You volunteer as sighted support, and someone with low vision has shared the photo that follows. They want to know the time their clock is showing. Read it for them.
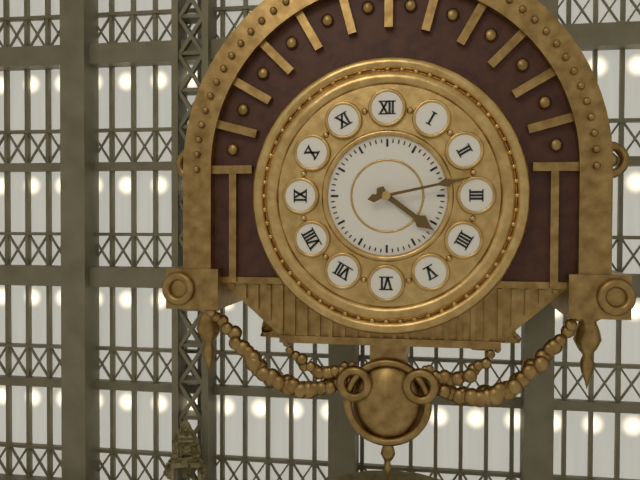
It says 4:13
